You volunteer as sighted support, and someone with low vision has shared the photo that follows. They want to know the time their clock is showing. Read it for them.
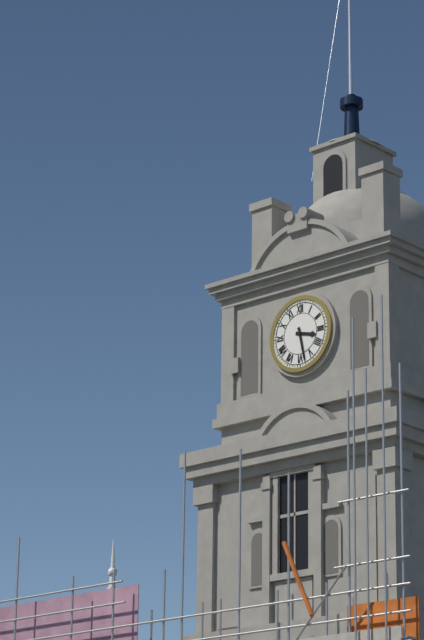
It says 3:28
